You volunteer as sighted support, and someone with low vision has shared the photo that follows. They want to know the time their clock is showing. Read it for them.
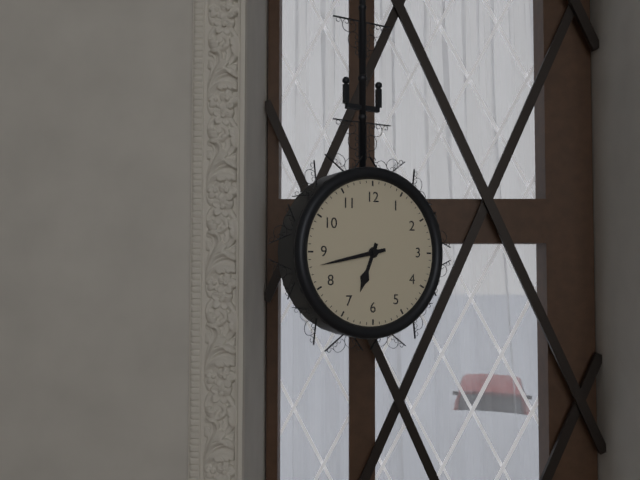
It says 6:43
